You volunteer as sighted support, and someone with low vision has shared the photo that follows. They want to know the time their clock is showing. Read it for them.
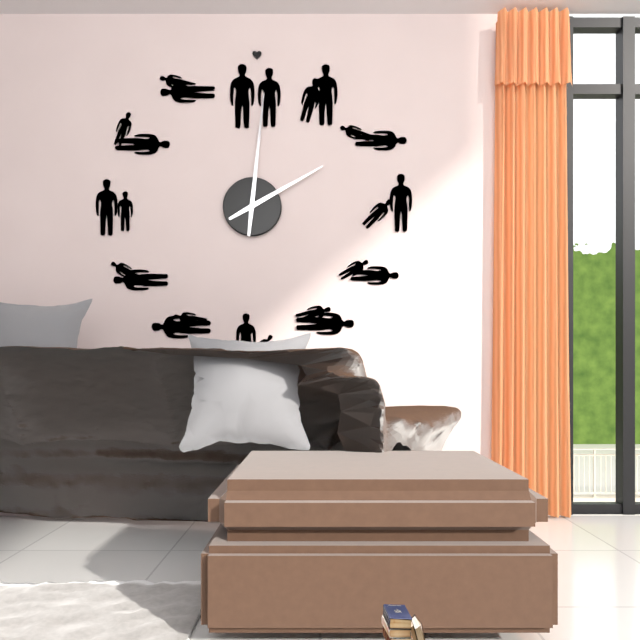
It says 2:01
